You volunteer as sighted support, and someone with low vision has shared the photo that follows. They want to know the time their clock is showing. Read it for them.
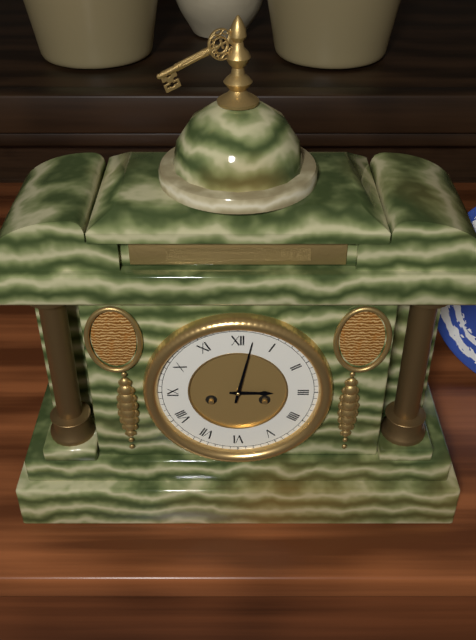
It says 3:02
